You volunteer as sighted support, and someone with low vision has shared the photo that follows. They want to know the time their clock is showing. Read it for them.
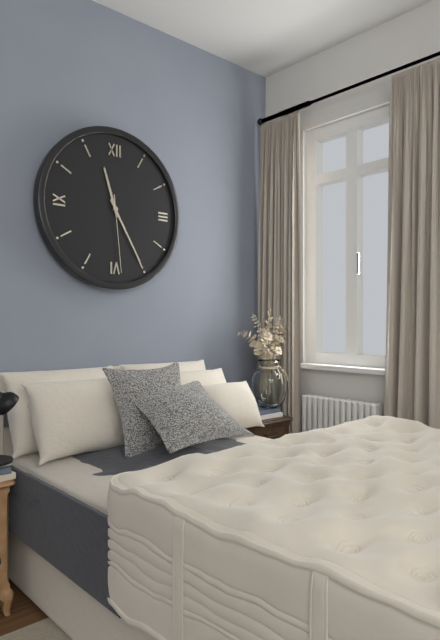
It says 11:25:29
